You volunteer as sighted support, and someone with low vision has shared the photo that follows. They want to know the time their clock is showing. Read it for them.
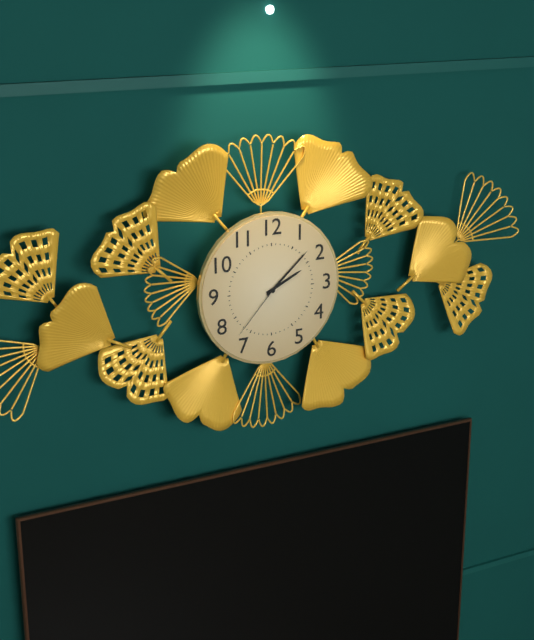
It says 2:08:37
